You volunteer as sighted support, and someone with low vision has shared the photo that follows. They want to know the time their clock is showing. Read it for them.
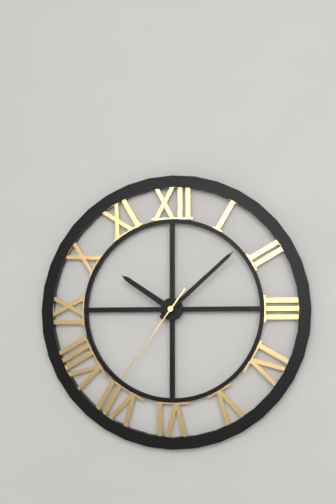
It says 10:08:36
